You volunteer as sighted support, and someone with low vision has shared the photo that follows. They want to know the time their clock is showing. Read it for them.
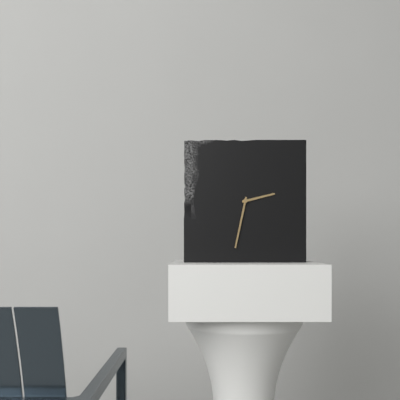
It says 2:32
